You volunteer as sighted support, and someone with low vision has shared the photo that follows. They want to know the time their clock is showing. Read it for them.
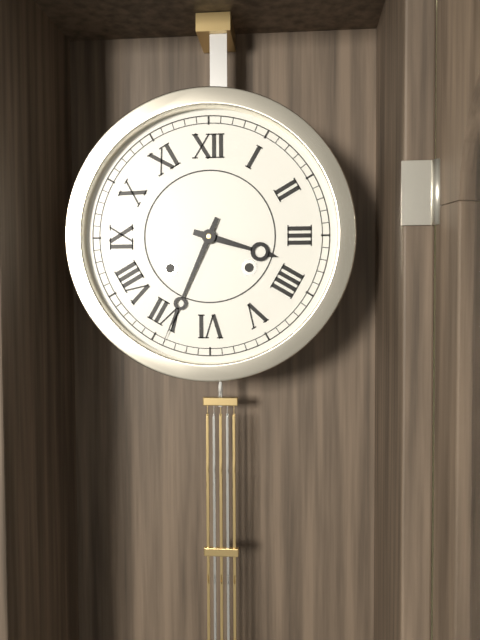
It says 3:34
